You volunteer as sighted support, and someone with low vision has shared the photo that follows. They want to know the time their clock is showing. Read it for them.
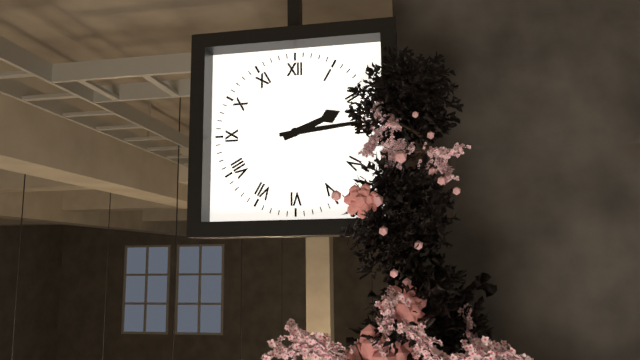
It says 2:14
